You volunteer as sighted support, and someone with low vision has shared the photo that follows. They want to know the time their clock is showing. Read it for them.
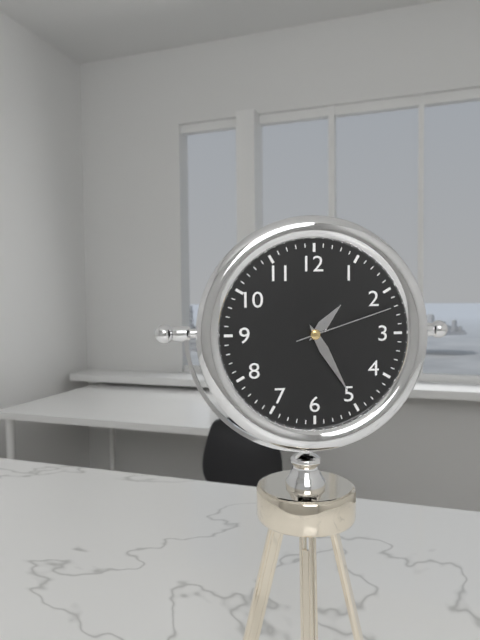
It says 1:25:12
